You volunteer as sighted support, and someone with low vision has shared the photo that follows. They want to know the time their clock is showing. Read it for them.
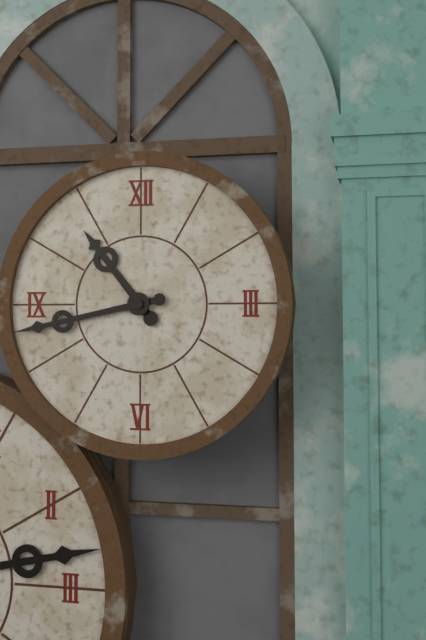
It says 10:43
